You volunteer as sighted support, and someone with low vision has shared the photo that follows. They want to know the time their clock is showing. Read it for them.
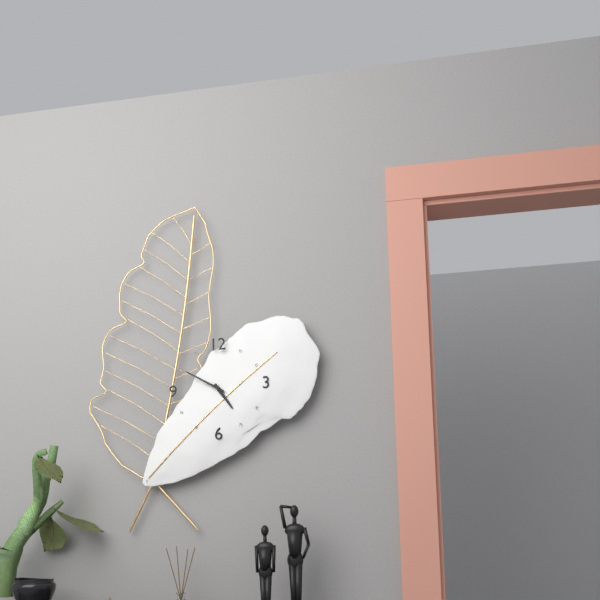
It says 4:50
